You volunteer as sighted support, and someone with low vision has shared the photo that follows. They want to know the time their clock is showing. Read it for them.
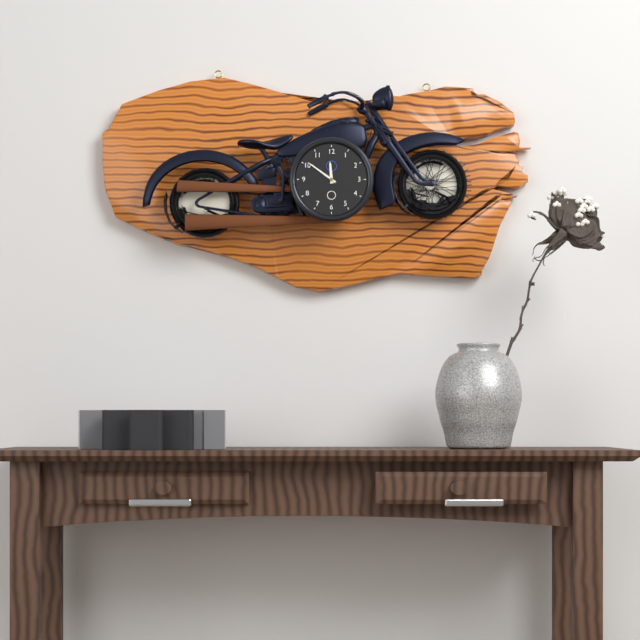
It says 11:51
